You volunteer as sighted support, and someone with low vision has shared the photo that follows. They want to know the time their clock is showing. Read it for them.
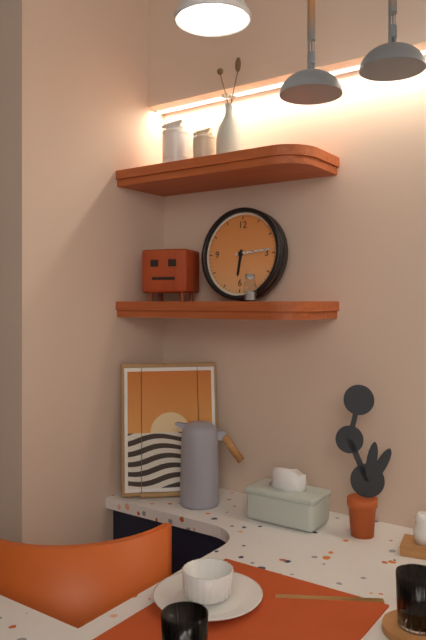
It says 6:14
